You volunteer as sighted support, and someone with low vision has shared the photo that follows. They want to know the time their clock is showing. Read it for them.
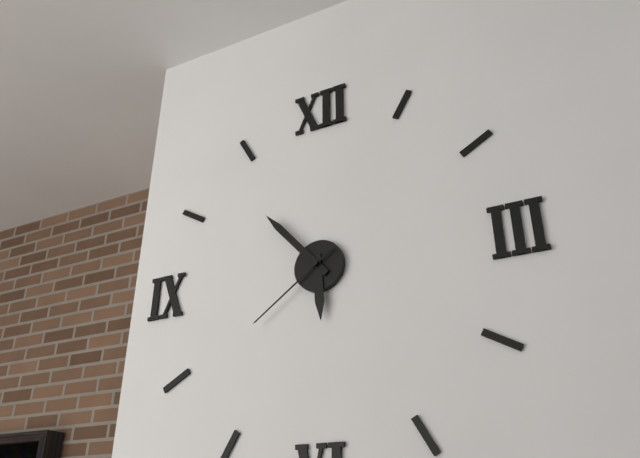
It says 5:53:39
